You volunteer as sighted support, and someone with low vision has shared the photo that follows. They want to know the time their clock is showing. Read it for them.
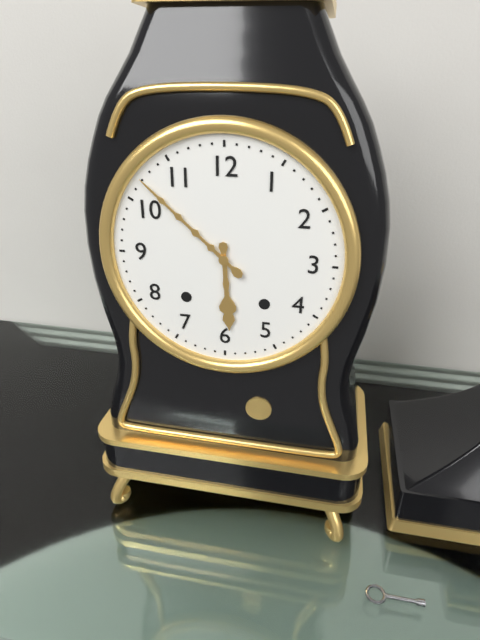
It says 5:52
